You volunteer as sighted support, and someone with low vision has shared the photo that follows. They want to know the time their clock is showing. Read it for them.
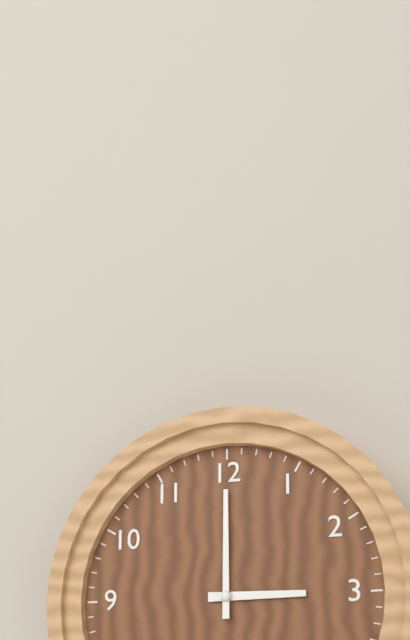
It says 3:00
